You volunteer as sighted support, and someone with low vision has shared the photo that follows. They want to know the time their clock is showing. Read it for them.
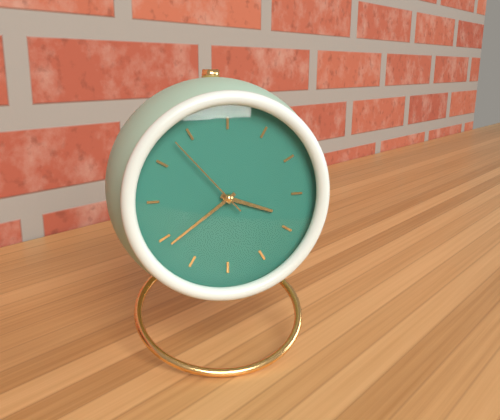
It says 3:39:53
